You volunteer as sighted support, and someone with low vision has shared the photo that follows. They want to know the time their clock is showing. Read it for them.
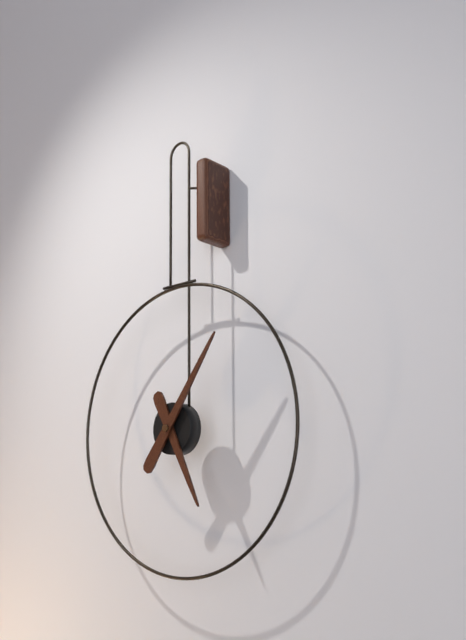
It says 5:06
